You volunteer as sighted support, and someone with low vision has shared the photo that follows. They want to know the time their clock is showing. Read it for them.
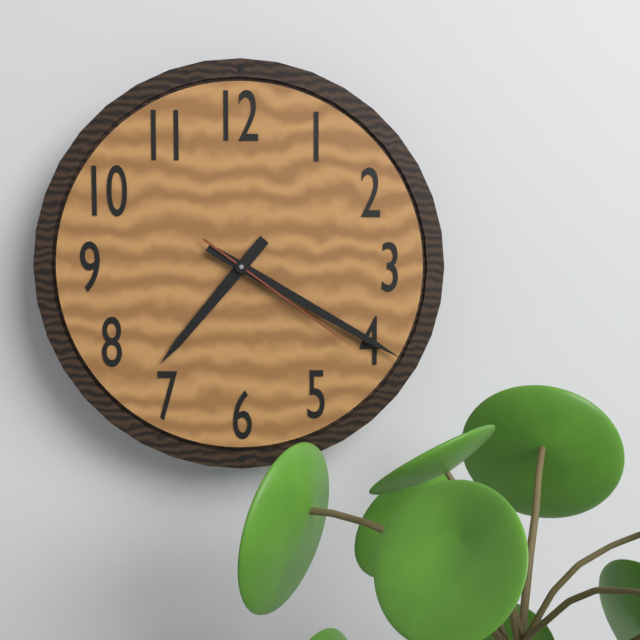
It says 7:20:21
